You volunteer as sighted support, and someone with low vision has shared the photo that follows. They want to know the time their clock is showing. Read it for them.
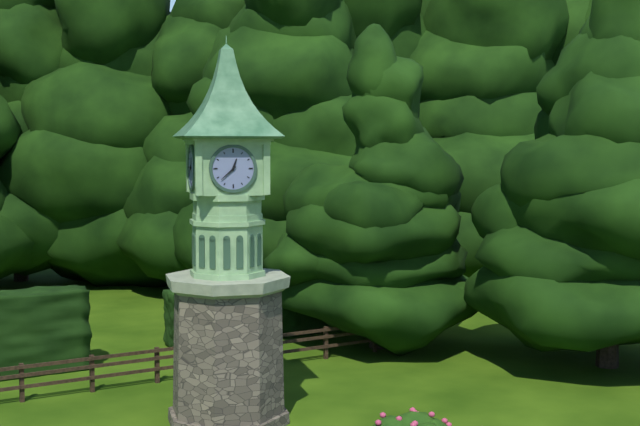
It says 12:38
